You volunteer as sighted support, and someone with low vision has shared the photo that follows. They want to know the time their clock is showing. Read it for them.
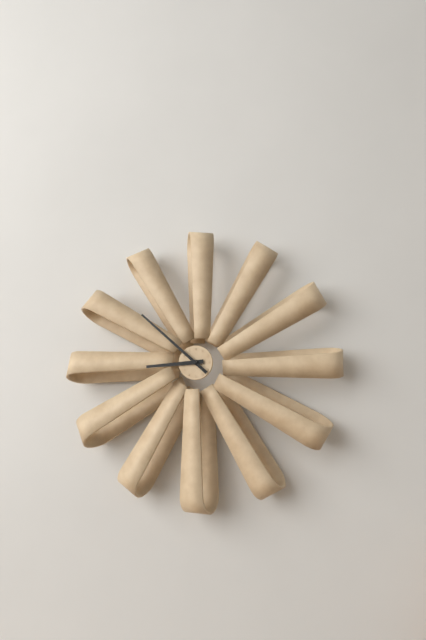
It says 8:52
